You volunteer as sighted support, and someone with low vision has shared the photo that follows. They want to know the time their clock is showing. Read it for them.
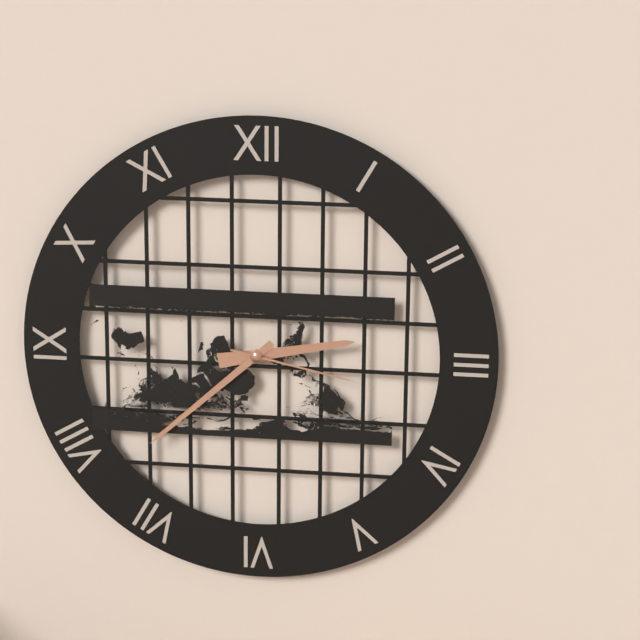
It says 2:38:17
